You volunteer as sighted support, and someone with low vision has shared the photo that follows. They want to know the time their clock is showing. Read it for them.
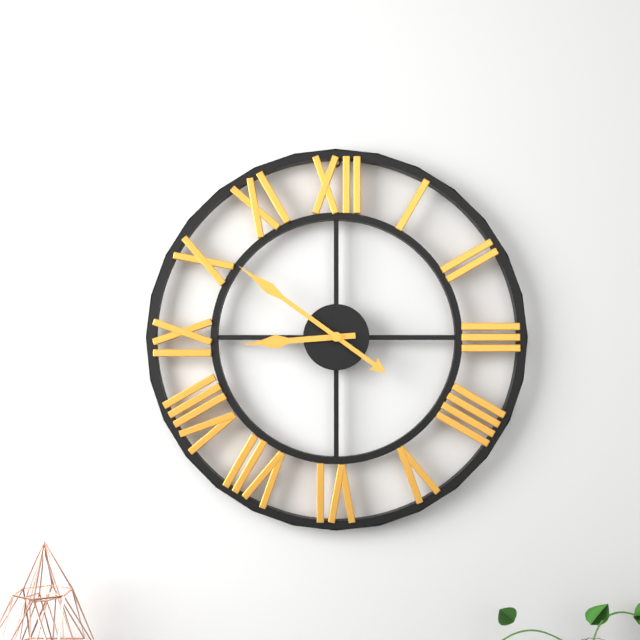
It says 8:51
